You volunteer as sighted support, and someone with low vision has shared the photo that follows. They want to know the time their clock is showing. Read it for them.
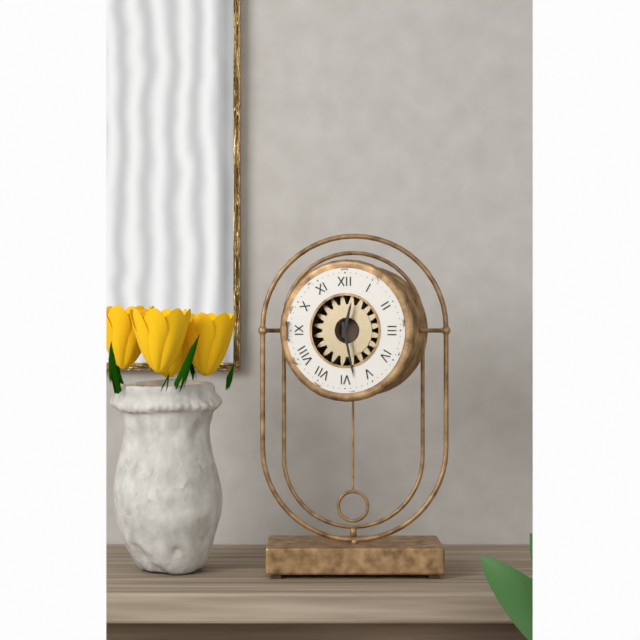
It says 12:28
